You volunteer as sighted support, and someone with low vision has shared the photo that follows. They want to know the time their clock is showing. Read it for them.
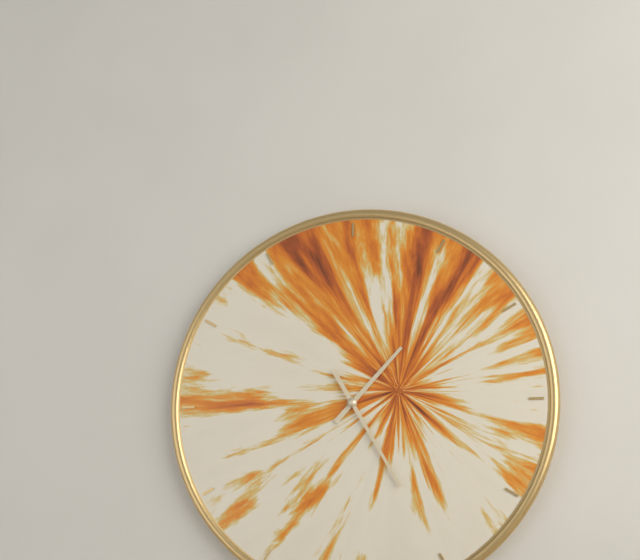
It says 1:25
